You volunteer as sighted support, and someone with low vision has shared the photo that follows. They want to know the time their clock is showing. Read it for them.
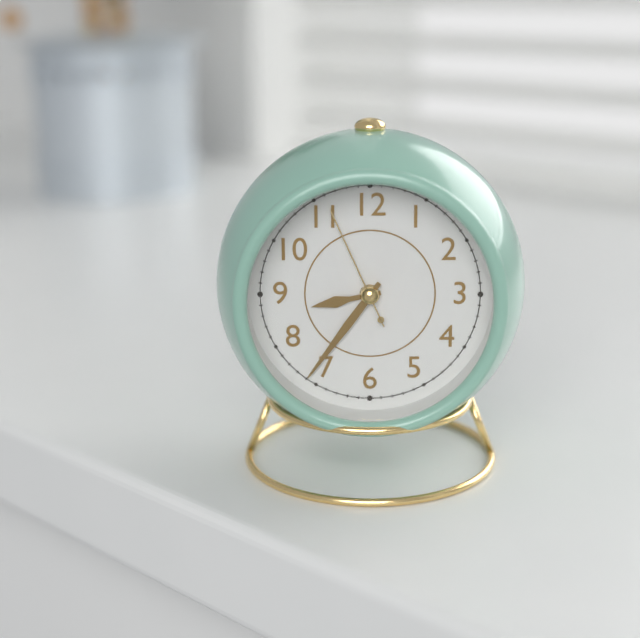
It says 8:36:56
